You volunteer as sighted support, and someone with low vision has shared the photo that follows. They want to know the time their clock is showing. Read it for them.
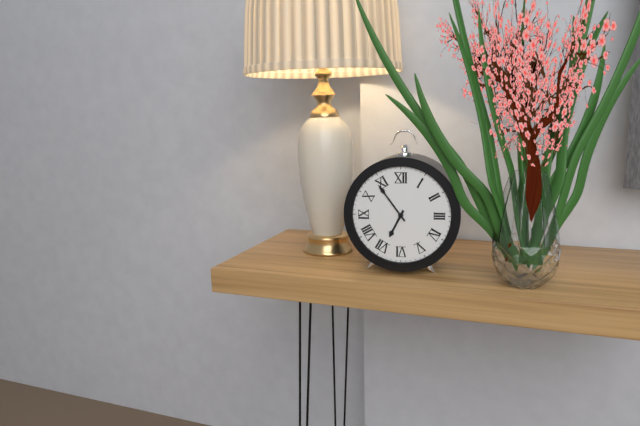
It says 6:54
